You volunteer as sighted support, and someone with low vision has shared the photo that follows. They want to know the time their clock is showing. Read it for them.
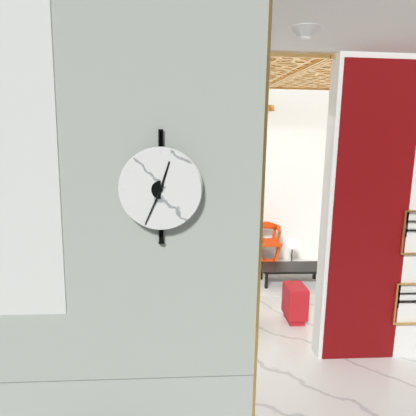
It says 12:34
